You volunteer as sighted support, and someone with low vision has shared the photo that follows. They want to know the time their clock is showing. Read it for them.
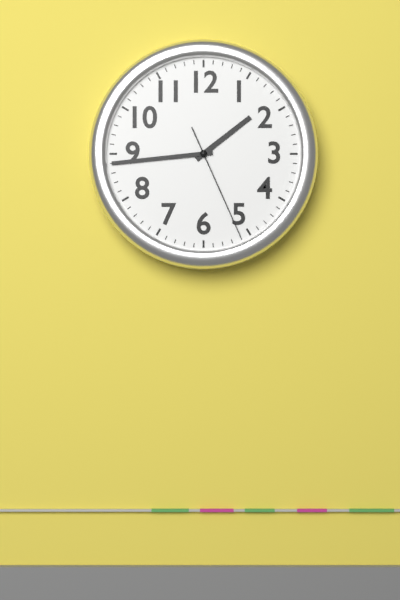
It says 1:44:26
